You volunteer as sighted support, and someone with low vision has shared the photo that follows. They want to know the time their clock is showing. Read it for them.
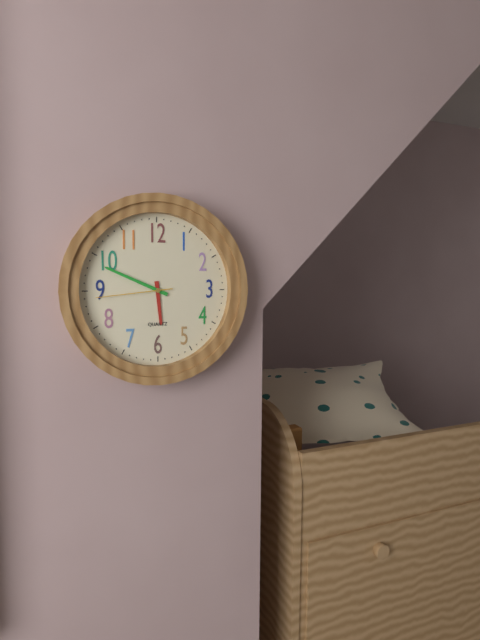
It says 5:49:44
